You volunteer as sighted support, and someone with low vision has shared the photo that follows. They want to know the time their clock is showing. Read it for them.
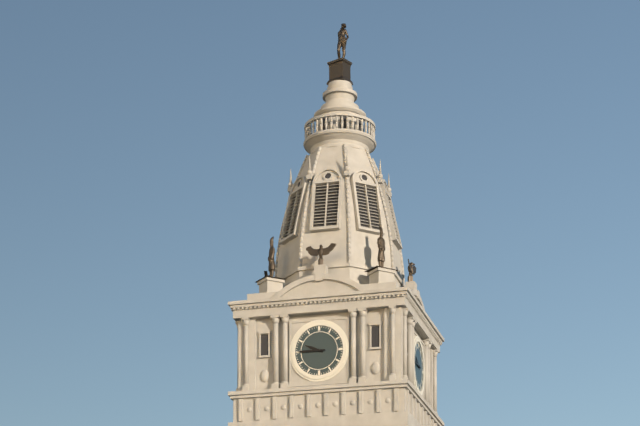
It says 9:45
